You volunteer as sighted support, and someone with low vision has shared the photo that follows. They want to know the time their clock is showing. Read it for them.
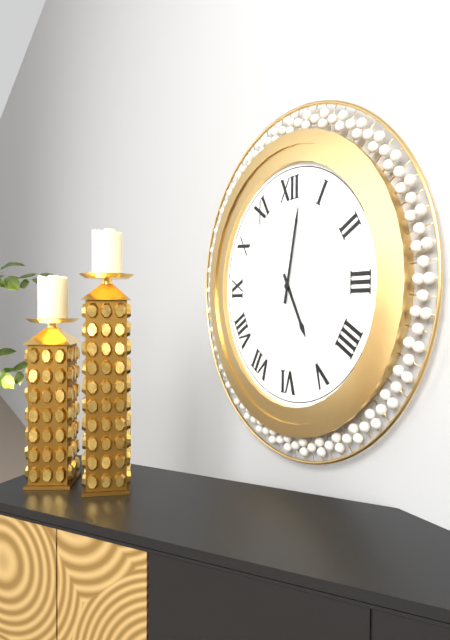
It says 5:02
